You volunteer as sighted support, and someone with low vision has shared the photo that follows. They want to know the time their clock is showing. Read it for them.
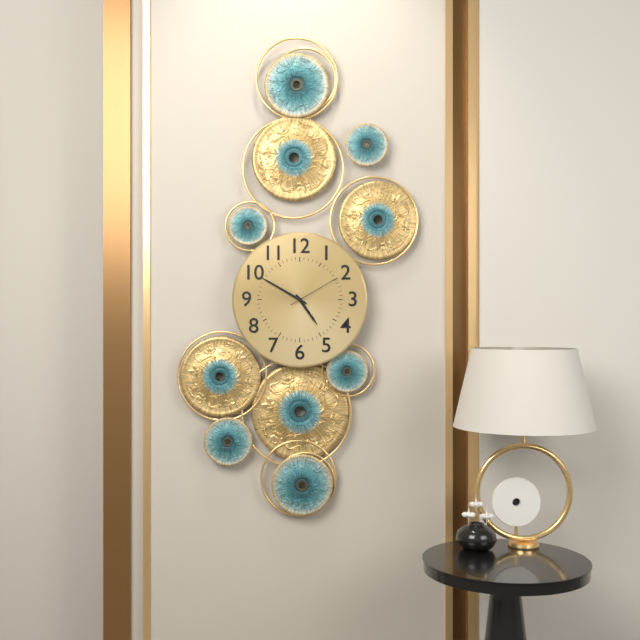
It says 4:50:10
